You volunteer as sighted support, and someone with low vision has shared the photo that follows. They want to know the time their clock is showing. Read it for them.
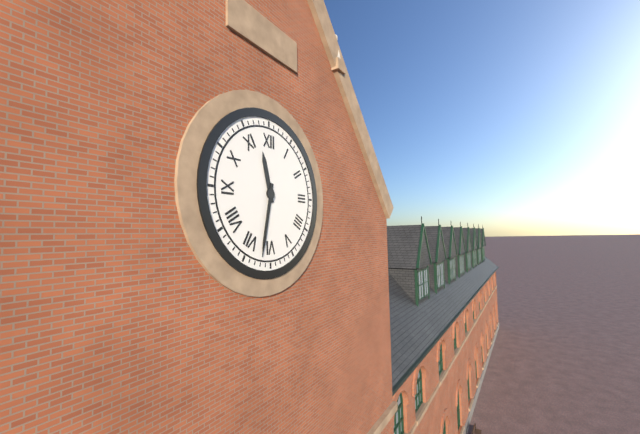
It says 11:32
